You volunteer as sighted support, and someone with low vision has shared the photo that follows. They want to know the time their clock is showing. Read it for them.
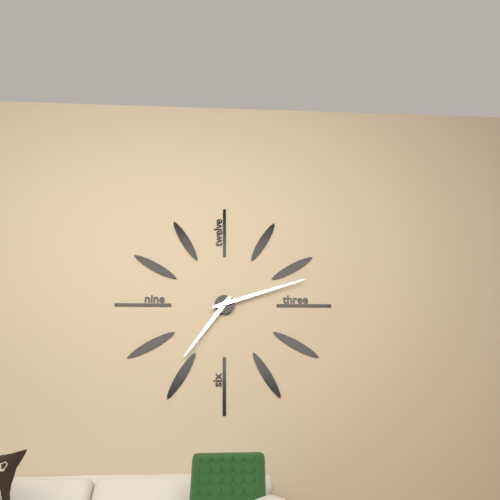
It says 7:12
